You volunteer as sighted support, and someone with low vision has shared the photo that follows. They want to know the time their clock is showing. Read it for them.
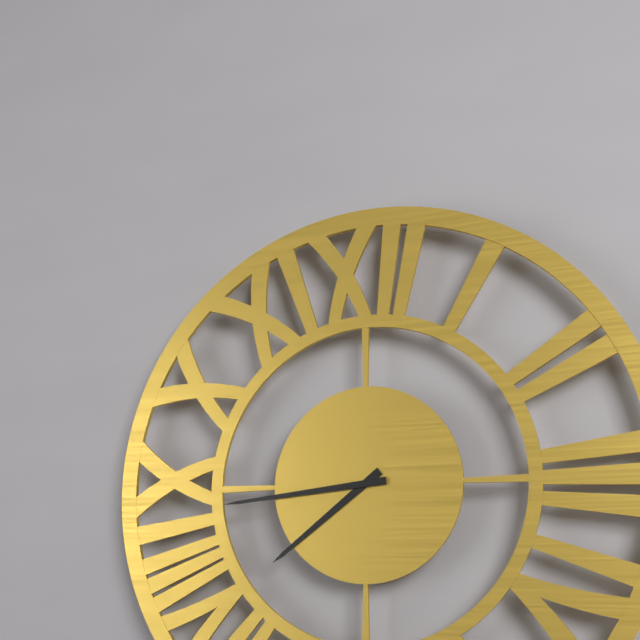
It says 7:44
